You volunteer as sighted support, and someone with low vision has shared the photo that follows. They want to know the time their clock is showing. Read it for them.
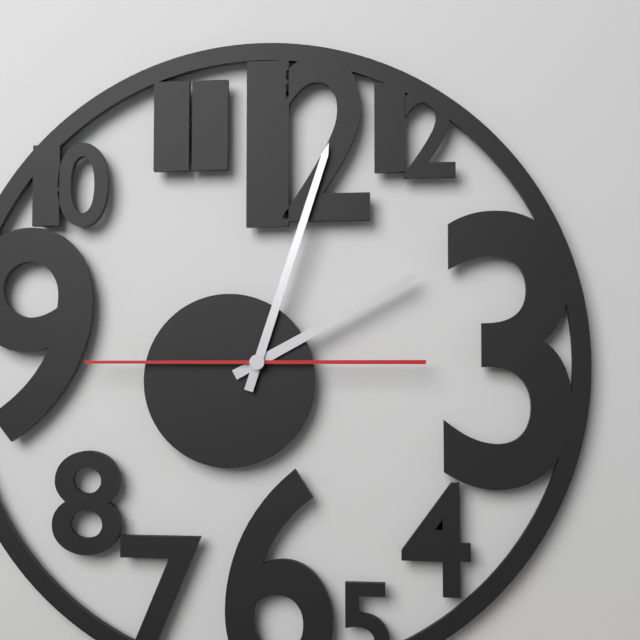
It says 2:03:45
